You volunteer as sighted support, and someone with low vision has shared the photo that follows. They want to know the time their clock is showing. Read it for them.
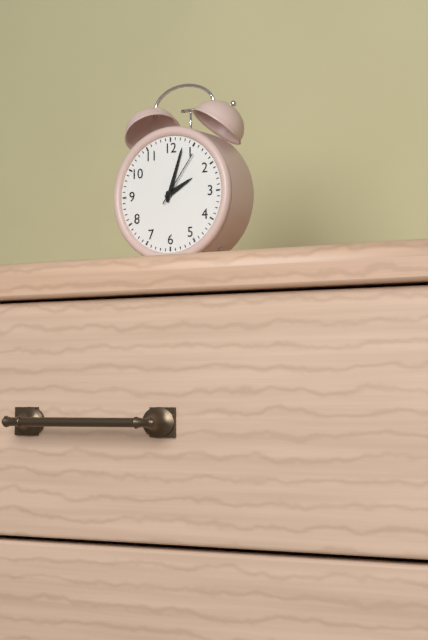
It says 2:03:06
